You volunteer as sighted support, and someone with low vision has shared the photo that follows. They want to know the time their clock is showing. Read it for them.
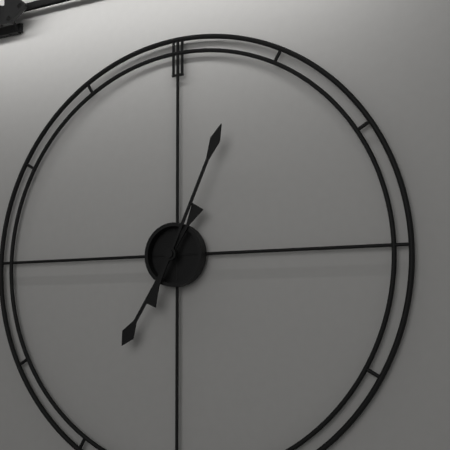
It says 7:04
